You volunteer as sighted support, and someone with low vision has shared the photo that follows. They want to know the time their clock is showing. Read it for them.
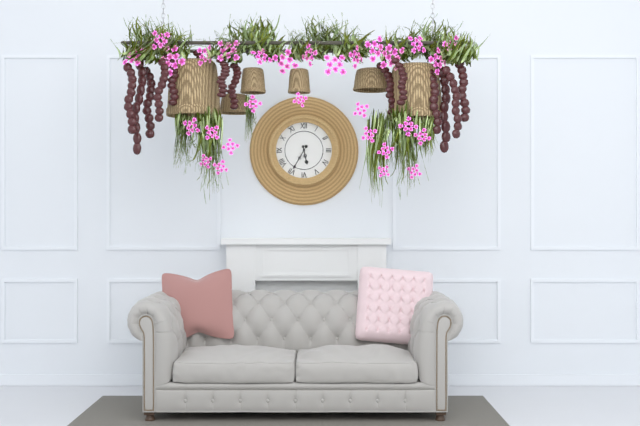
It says 5:35
